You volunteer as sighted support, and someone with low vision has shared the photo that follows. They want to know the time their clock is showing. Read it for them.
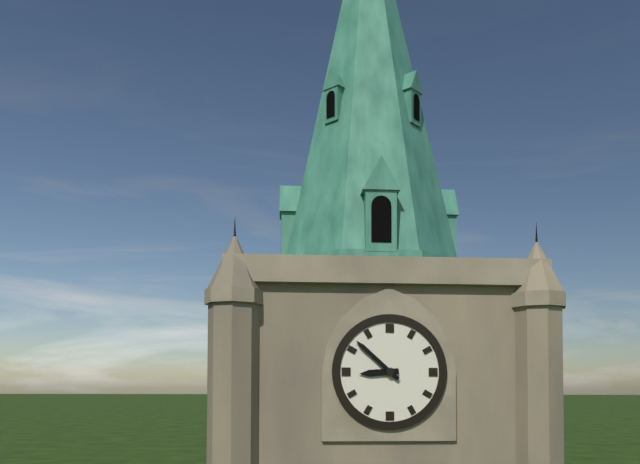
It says 8:52
